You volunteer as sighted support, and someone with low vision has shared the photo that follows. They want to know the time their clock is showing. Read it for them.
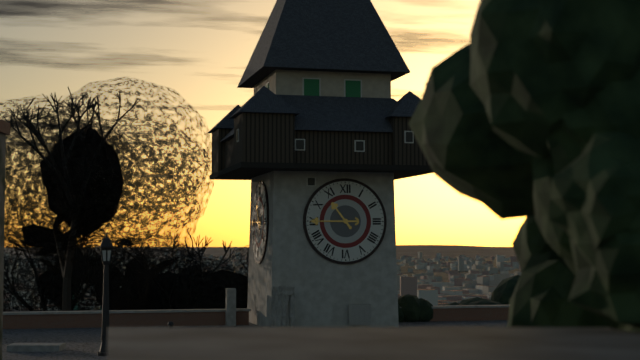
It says 10:45
